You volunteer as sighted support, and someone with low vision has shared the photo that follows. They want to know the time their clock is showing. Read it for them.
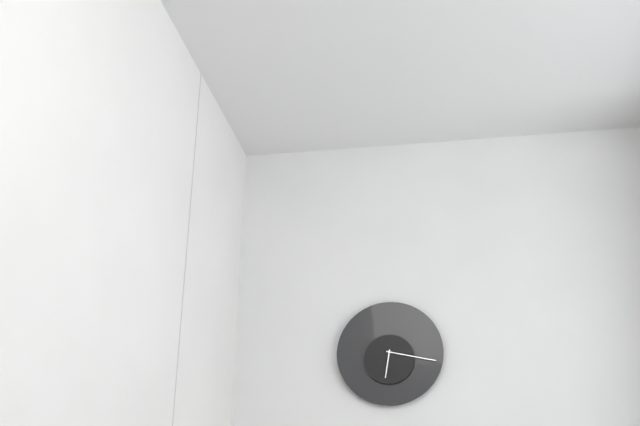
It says 6:17
